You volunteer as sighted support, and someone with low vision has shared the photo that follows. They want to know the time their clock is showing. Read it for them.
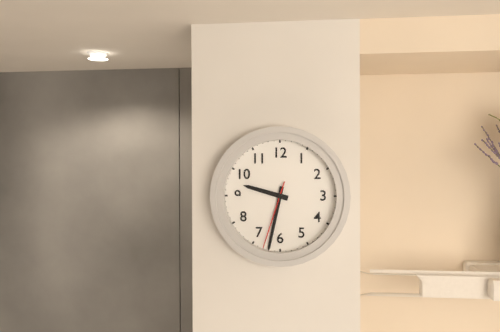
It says 9:32:33
